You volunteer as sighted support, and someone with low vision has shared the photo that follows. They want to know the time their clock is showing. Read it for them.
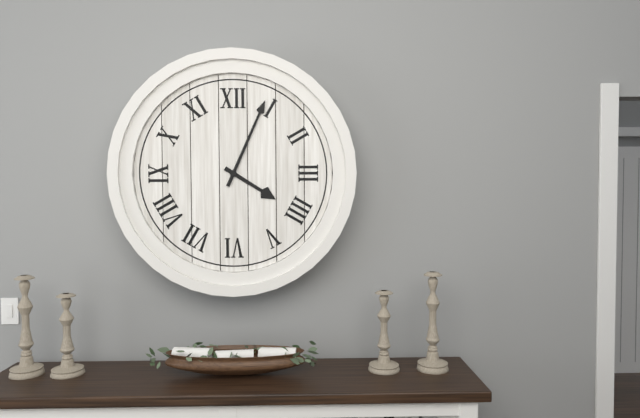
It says 4:04
